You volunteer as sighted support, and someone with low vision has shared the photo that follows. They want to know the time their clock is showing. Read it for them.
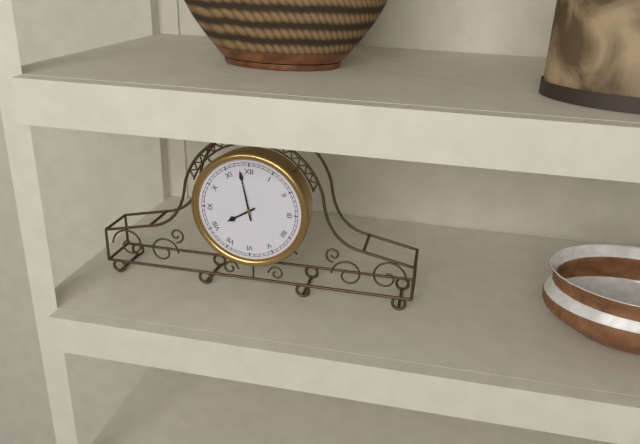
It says 7:58
